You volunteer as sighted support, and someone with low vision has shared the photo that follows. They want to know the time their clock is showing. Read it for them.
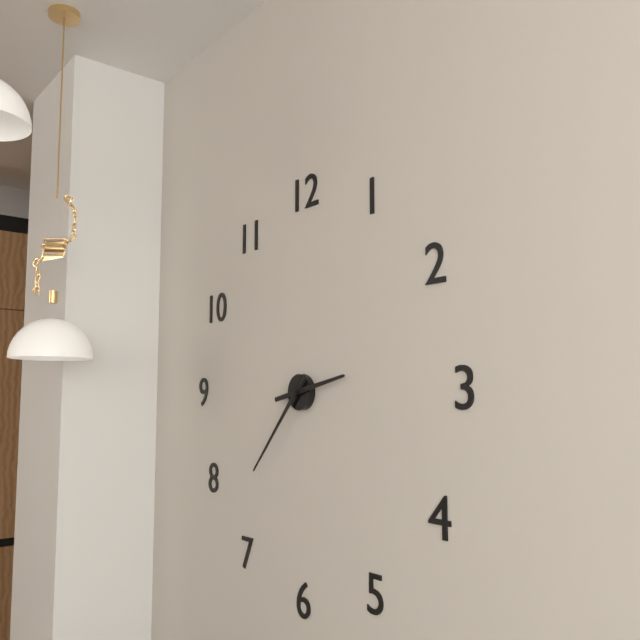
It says 2:37
